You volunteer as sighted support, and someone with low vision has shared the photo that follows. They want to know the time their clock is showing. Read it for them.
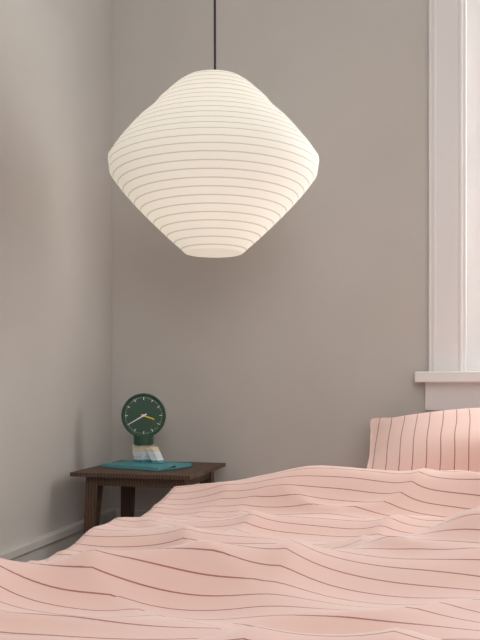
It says 3:40
